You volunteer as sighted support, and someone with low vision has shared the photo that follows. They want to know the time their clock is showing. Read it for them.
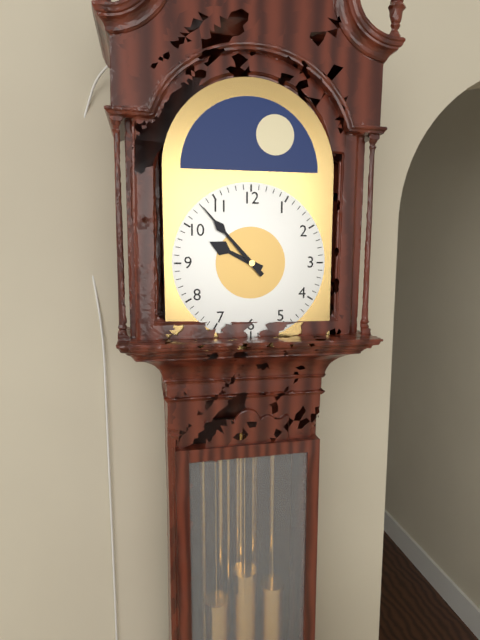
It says 9:53
